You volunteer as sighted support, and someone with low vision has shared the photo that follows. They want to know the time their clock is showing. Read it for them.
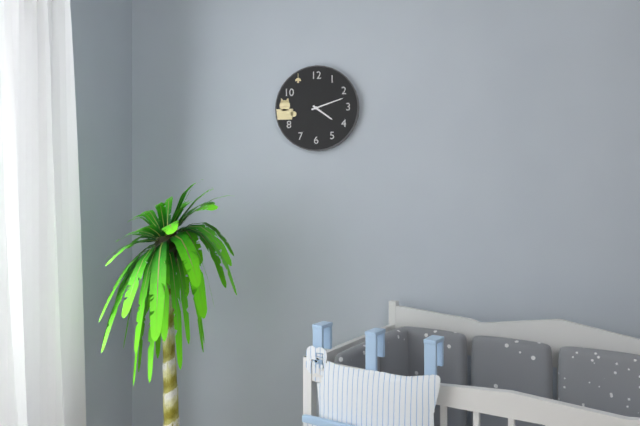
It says 4:12
